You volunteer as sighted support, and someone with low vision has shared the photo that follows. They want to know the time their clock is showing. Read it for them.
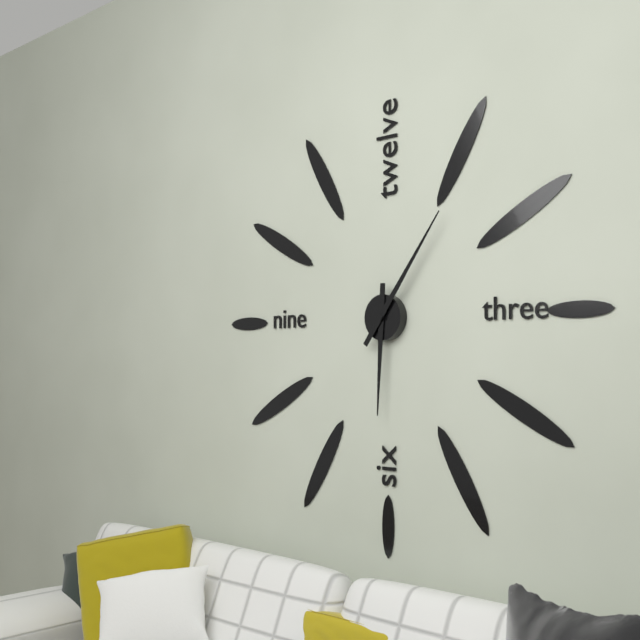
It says 6:06
